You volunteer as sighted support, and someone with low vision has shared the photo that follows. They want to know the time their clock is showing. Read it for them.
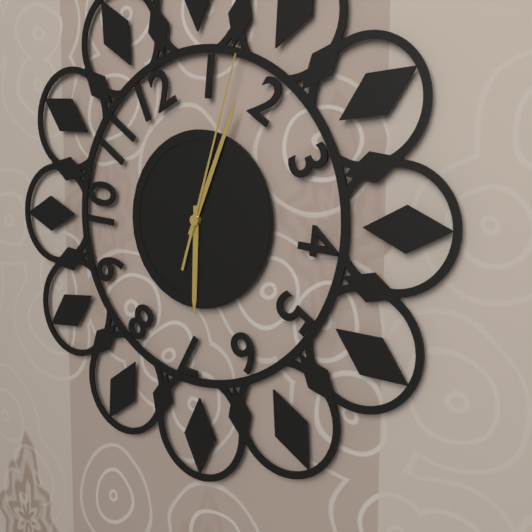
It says 6:04:03
